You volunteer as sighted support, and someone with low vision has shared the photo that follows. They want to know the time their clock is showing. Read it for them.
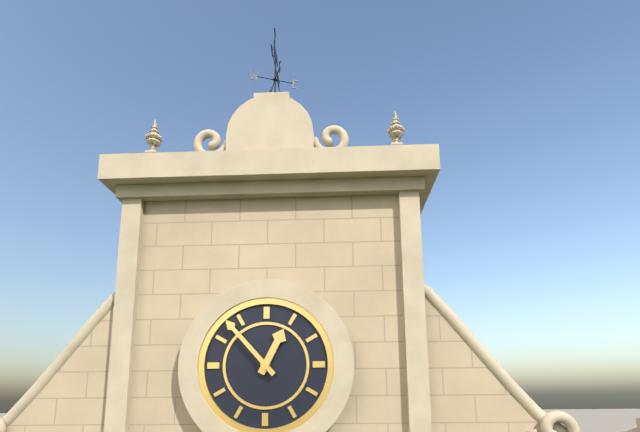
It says 12:53
